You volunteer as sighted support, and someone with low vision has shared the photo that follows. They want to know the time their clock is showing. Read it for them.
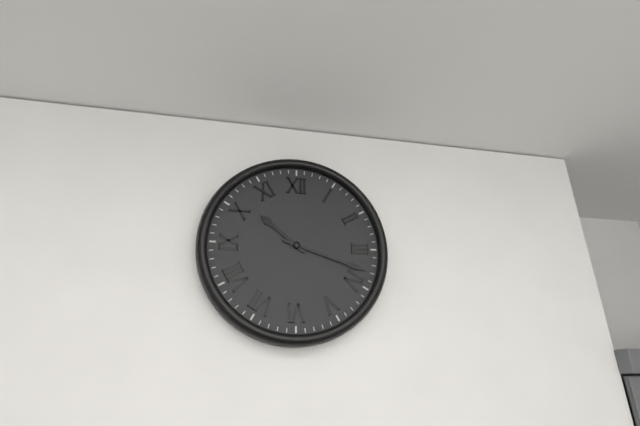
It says 10:18
